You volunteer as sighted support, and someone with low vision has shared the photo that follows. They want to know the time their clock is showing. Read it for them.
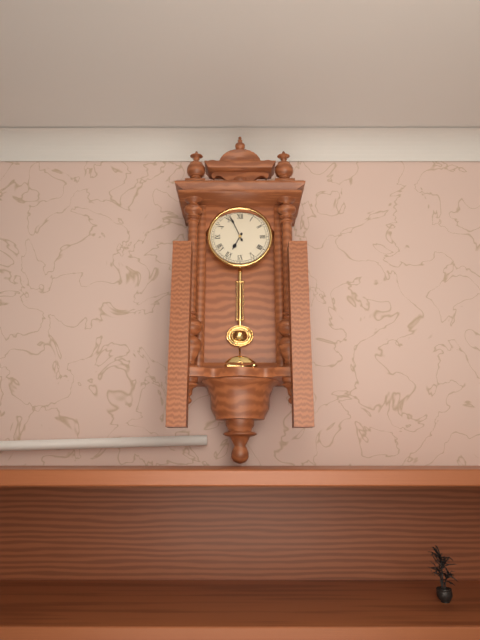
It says 6:56
